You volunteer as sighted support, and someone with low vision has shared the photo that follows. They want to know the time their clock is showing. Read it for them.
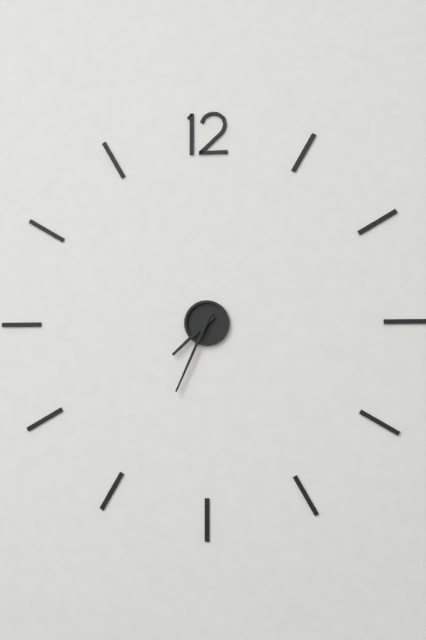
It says 7:34
